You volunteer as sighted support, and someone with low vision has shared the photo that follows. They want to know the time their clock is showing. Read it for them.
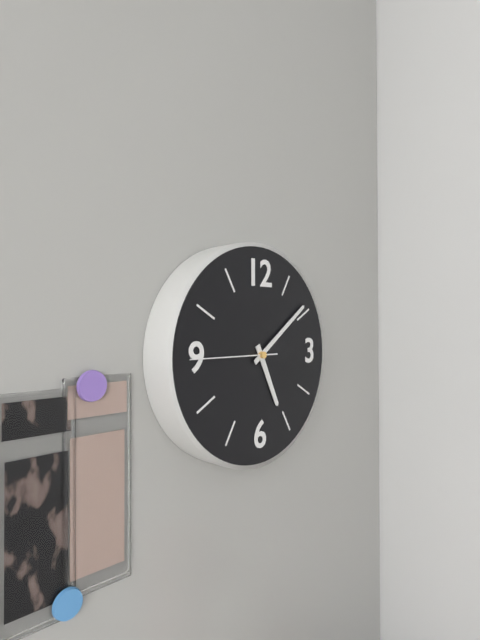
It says 5:09:45
